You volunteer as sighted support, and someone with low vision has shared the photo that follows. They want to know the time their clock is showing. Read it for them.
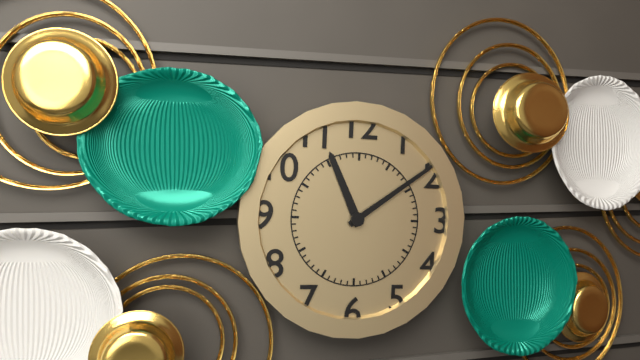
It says 11:09
